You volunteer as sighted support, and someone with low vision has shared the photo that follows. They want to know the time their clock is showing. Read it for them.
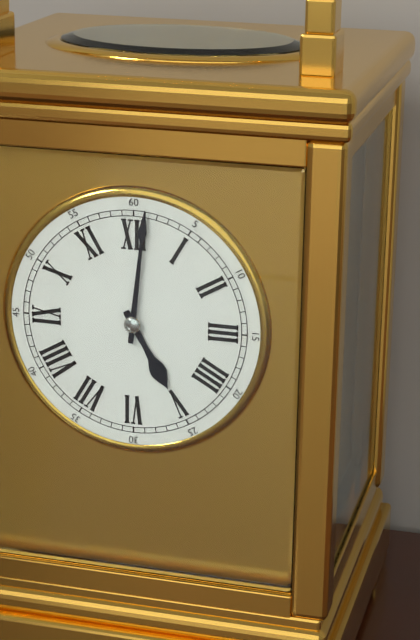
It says 5:01
